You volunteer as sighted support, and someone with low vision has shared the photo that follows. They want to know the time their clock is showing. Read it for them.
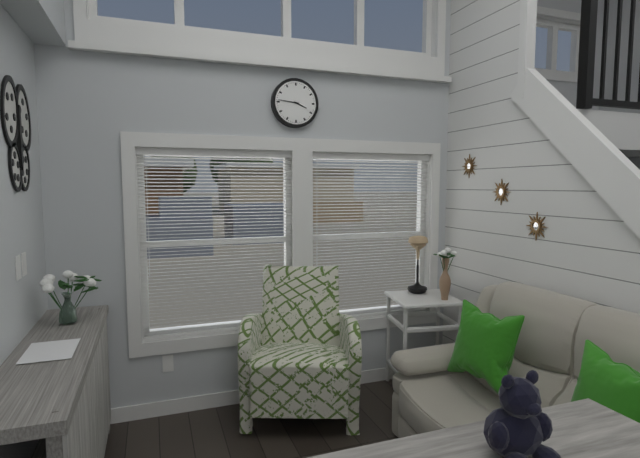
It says 3:46
